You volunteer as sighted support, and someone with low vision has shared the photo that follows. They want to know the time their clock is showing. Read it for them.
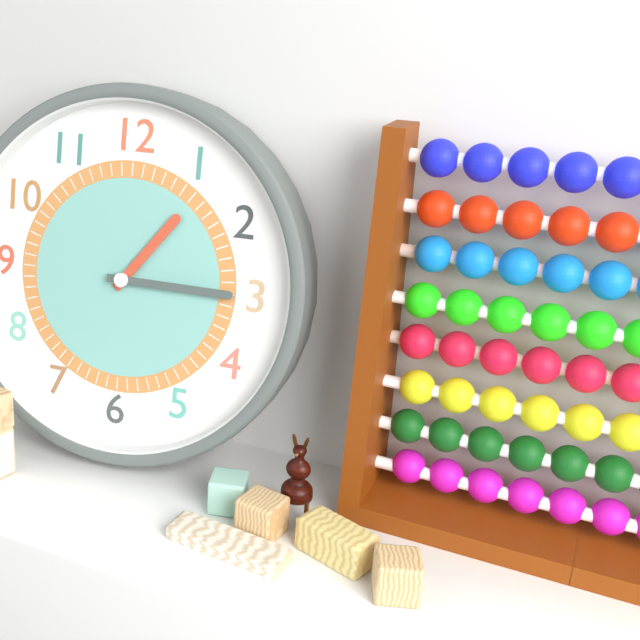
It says 1:15
